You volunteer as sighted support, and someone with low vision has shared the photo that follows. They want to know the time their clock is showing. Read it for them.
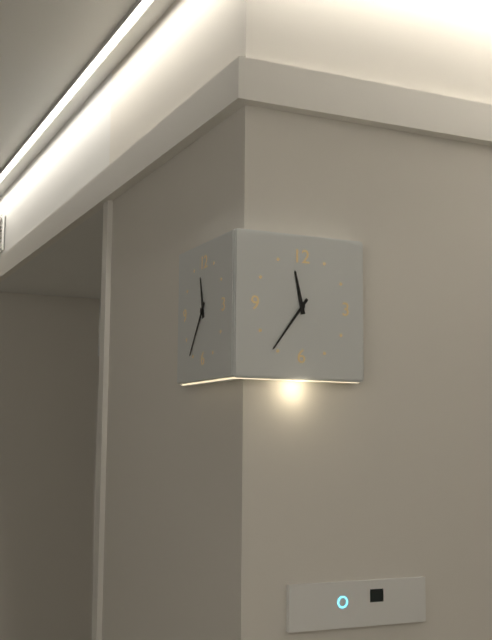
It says 11:36
